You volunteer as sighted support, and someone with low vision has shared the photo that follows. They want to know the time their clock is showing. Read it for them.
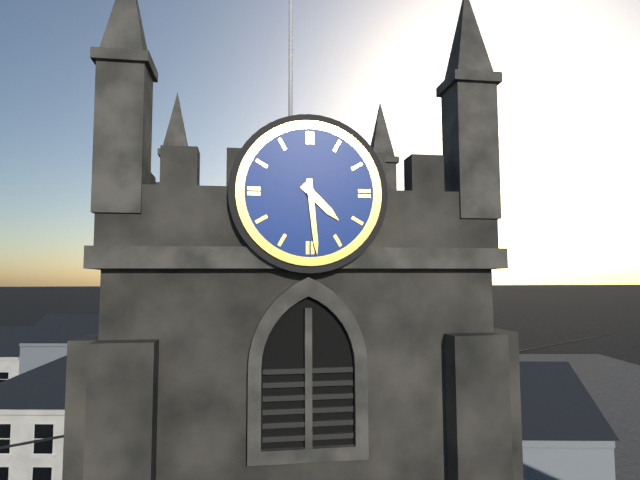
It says 4:29
